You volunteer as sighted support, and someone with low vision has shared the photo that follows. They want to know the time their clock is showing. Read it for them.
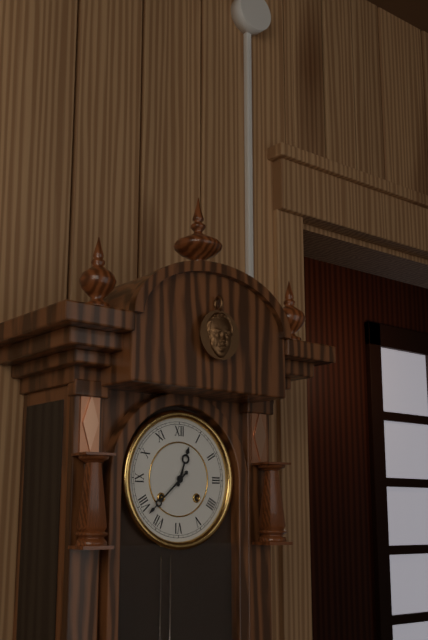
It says 12:38
